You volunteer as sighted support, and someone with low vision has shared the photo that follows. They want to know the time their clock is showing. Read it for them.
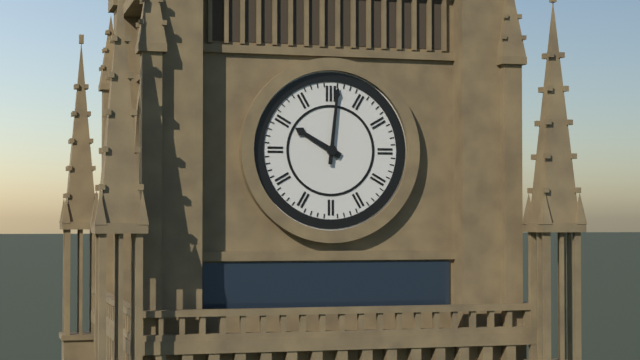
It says 10:01
